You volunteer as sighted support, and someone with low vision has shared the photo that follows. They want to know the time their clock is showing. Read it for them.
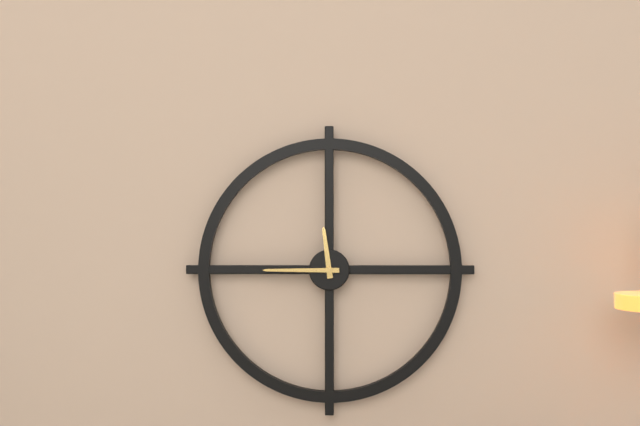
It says 11:45
